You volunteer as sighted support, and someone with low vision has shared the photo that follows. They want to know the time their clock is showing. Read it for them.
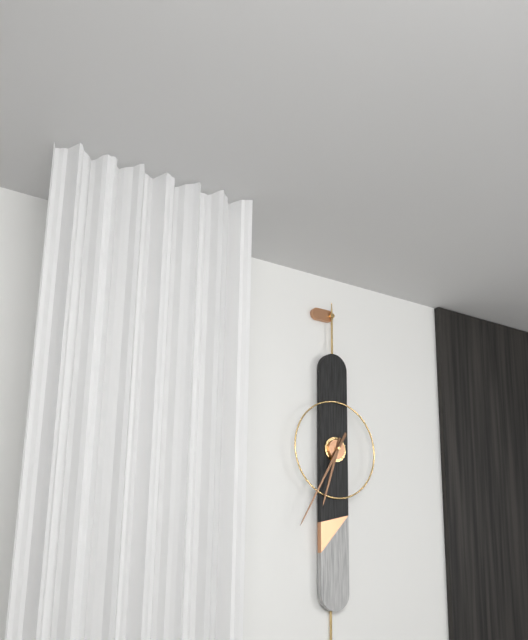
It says 6:35
